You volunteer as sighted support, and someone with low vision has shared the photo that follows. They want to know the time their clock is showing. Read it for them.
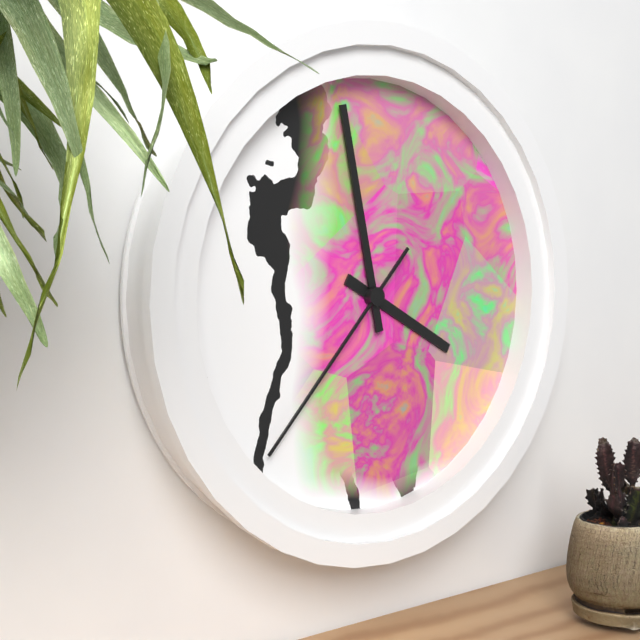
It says 3:58:37
